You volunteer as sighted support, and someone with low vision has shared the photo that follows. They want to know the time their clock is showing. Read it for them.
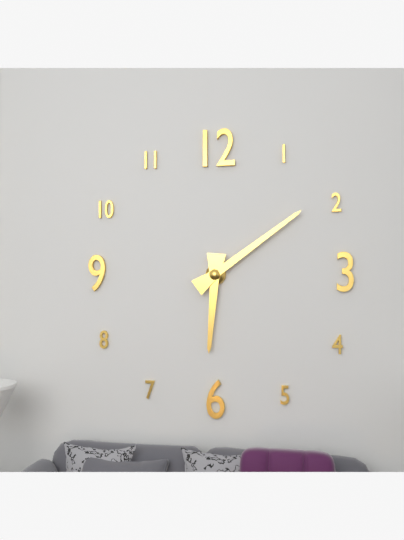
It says 6:09
